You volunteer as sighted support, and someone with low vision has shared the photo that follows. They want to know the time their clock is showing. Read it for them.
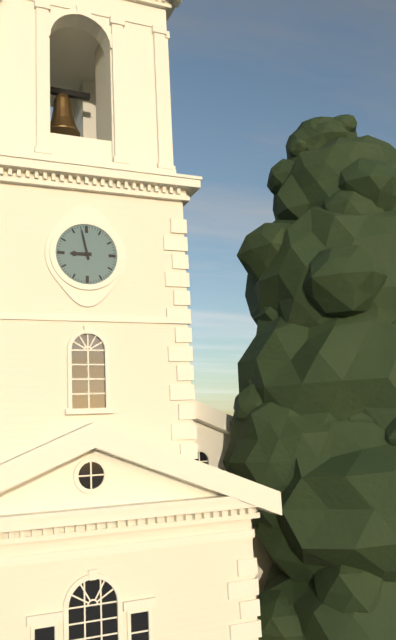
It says 8:58
